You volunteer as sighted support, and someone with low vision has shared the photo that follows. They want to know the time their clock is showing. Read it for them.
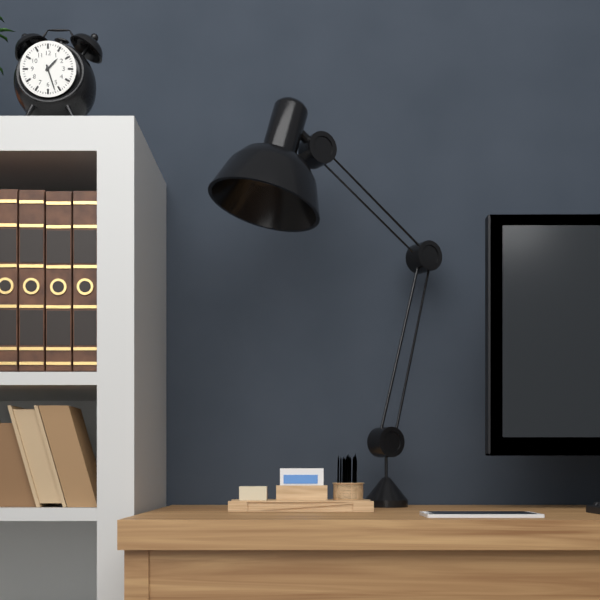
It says 1:27
